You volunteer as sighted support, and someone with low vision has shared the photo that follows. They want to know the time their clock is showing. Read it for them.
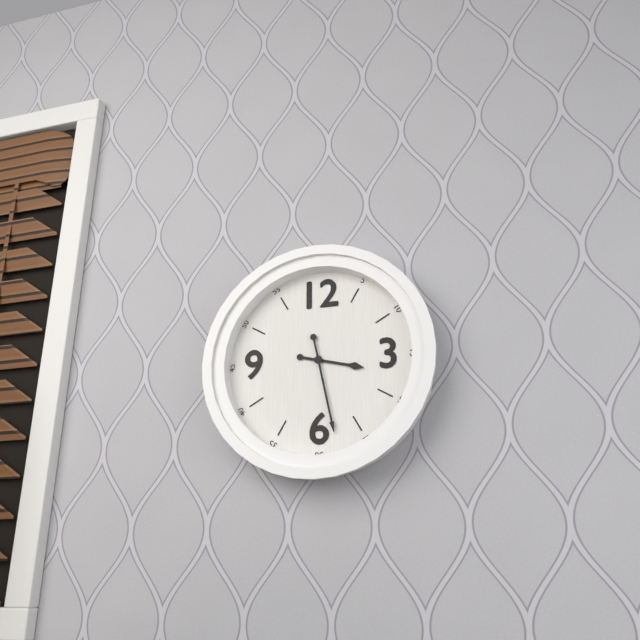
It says 3:28
